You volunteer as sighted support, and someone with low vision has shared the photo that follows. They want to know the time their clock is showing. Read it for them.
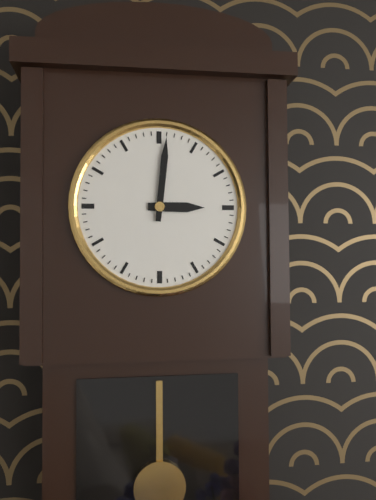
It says 3:01
